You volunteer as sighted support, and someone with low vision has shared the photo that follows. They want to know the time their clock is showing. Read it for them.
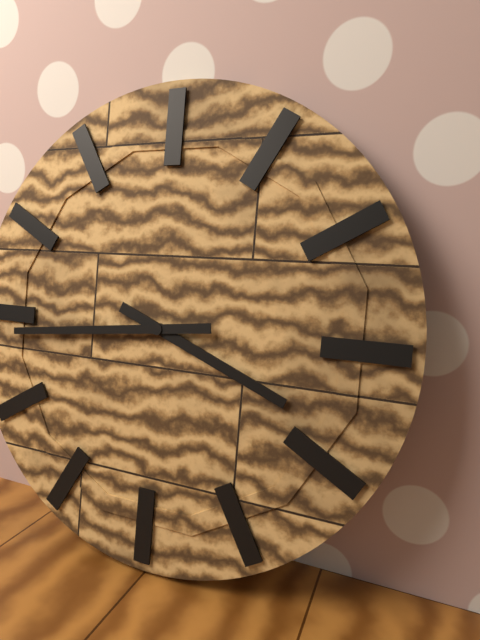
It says 3:44
